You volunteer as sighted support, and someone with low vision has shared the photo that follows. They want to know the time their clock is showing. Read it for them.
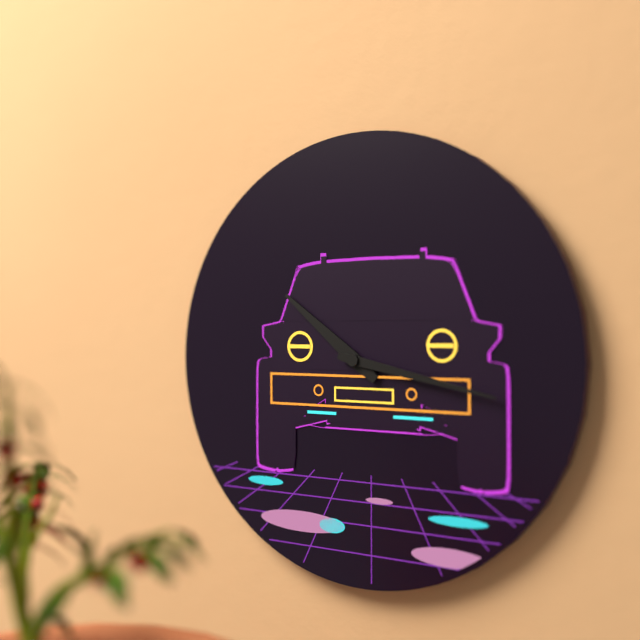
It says 10:17
